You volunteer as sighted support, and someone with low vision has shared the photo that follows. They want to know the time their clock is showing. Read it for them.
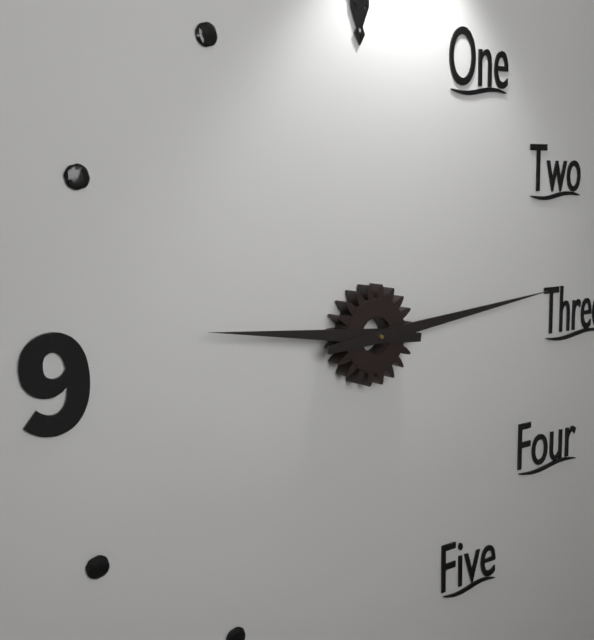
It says 9:14
